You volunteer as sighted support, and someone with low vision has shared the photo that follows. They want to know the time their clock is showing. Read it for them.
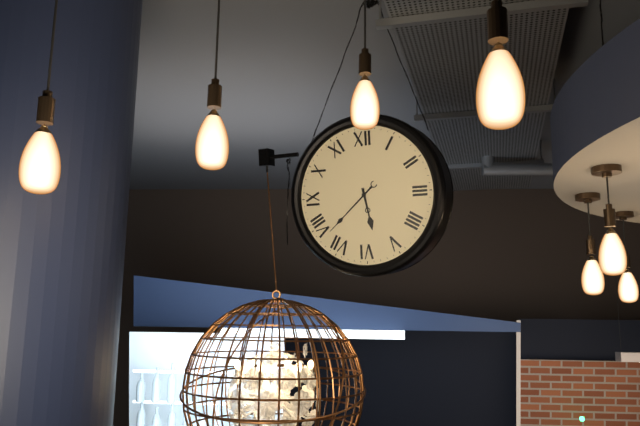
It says 5:38
